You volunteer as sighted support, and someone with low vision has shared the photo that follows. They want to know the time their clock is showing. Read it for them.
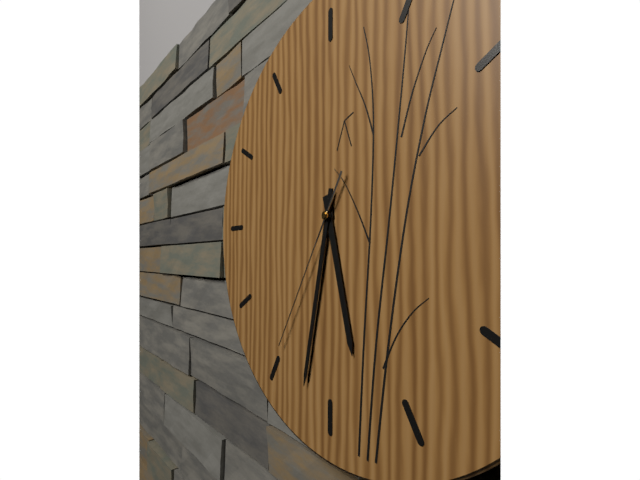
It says 5:32:35
